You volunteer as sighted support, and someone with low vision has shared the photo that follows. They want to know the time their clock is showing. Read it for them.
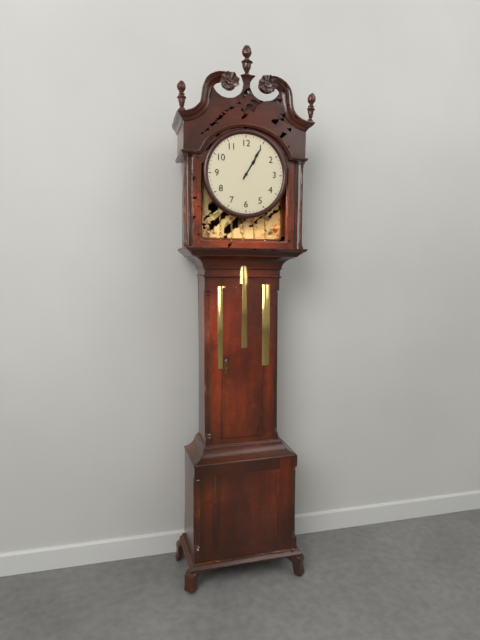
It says 1:05
